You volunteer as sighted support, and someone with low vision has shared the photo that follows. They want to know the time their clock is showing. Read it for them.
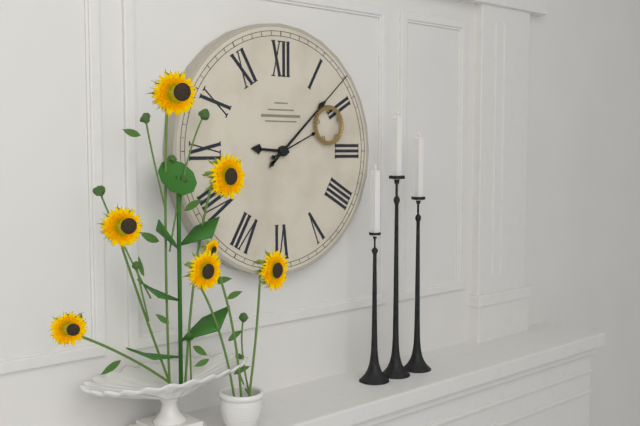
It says 9:08:11
